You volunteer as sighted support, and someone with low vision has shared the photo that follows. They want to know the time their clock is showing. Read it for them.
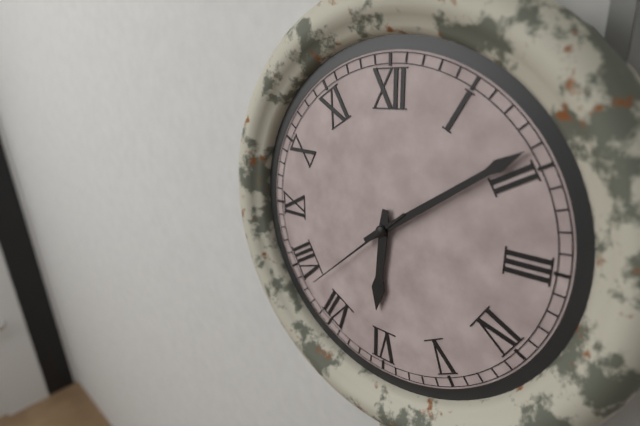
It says 6:09:38
